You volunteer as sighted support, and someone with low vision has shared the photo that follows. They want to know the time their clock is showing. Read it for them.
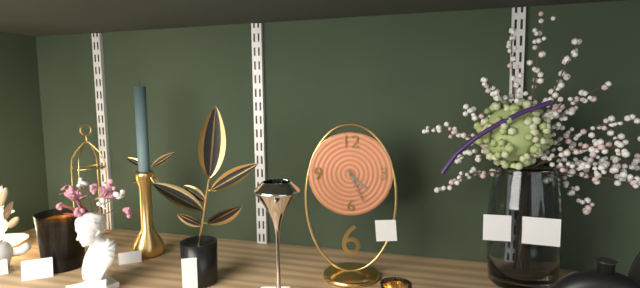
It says 4:26
